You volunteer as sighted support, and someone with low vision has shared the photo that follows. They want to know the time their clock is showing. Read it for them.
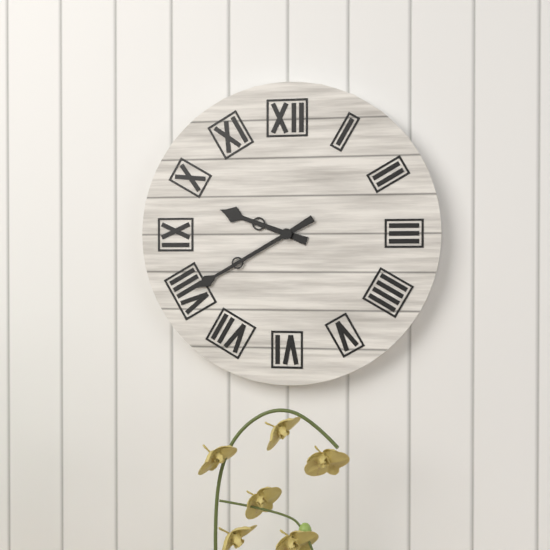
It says 9:40
